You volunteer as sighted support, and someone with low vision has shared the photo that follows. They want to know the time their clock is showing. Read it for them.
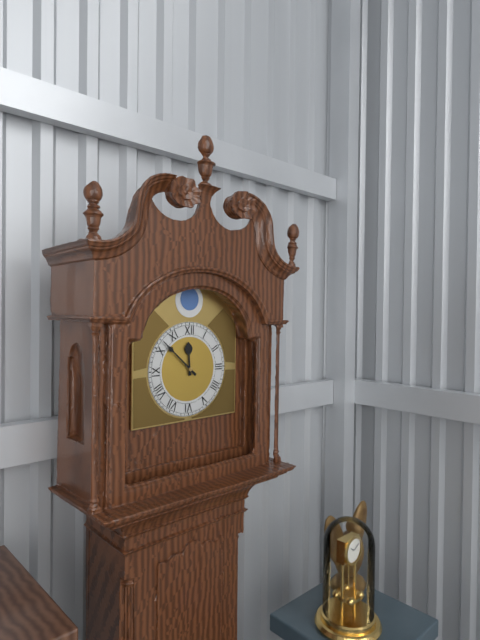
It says 11:52
